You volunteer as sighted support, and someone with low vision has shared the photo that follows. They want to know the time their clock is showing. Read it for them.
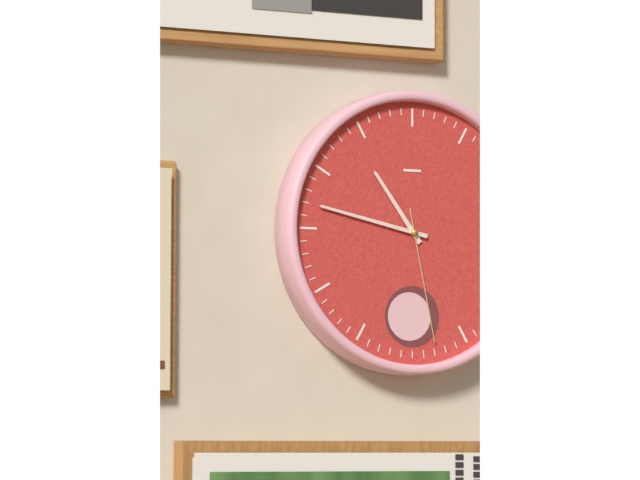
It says 10:47:28
